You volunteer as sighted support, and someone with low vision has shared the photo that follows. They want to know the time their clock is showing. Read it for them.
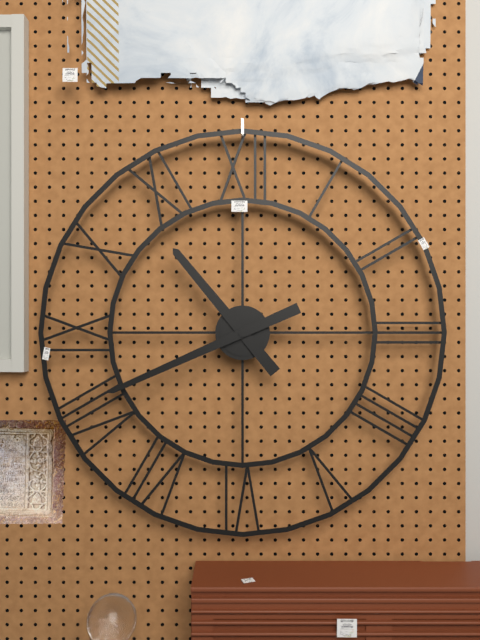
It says 10:41
